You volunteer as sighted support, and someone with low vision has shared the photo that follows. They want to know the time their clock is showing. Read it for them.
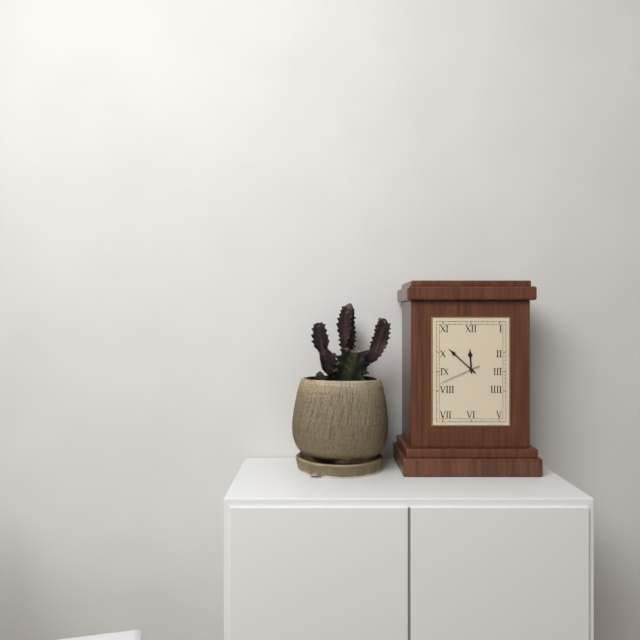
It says 11:52
